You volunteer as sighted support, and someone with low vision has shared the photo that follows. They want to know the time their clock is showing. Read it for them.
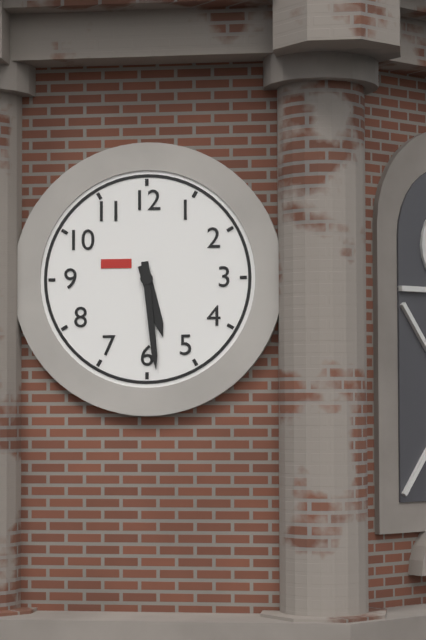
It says 5:29
